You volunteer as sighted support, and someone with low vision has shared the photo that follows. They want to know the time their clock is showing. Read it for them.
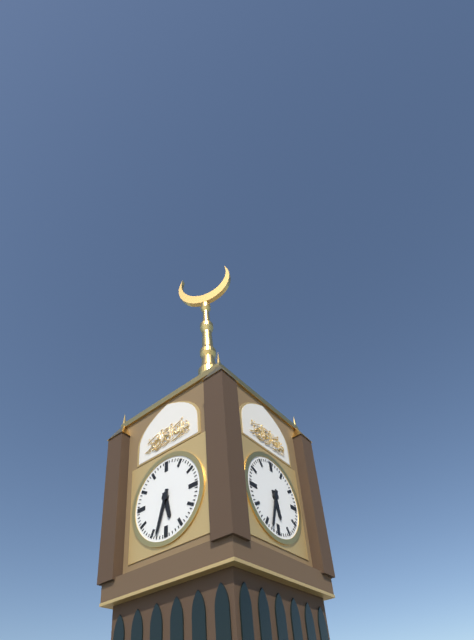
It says 5:33
